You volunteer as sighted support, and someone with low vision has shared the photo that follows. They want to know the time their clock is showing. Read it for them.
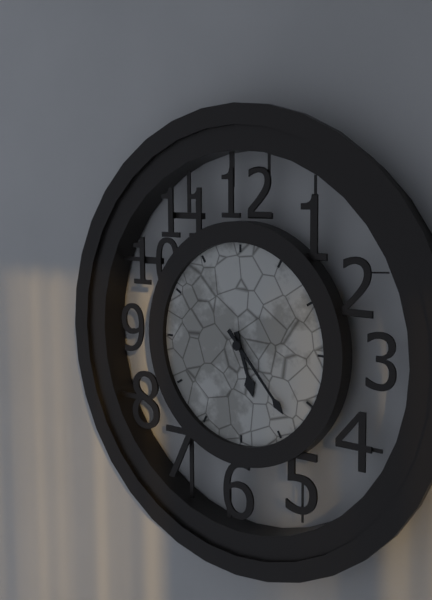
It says 5:23
